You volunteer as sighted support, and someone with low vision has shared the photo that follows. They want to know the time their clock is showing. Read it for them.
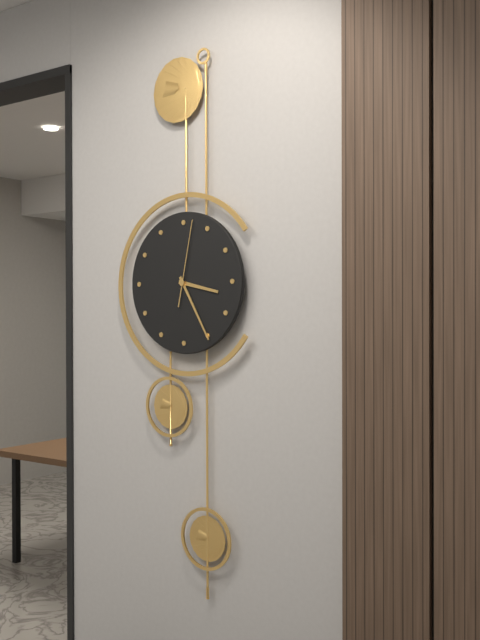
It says 3:25:02
